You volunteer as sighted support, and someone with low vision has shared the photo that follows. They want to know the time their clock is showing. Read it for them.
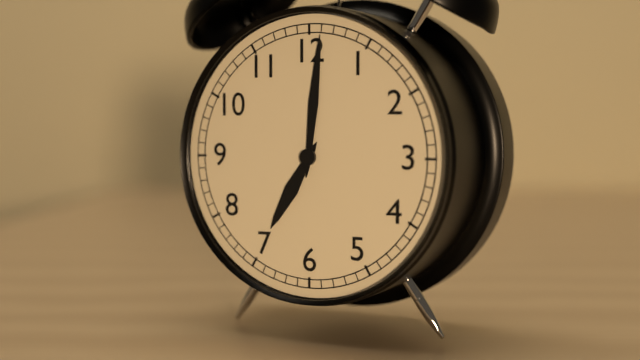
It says 7:01
